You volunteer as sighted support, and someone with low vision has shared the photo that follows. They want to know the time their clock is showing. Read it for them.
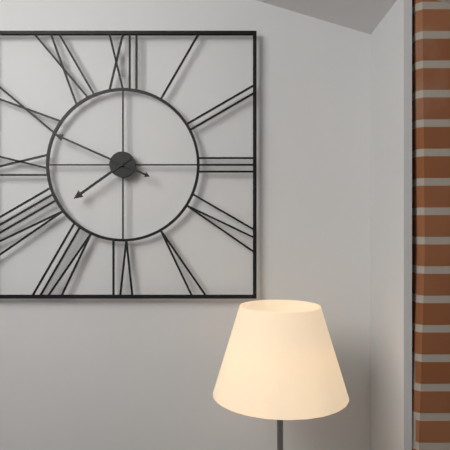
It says 7:49
